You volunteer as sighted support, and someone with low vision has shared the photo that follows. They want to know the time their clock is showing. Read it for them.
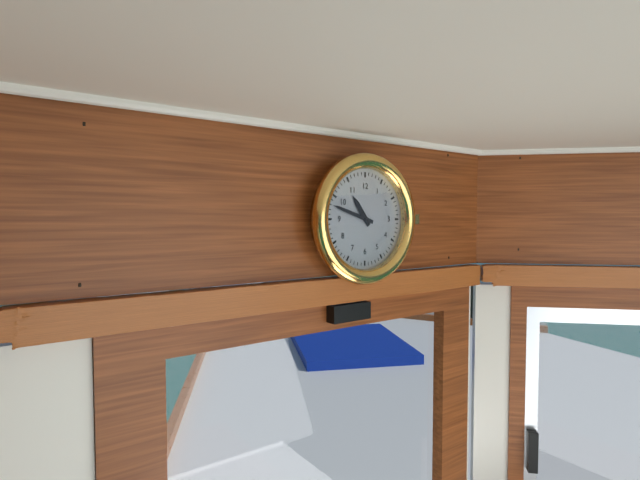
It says 10:48
